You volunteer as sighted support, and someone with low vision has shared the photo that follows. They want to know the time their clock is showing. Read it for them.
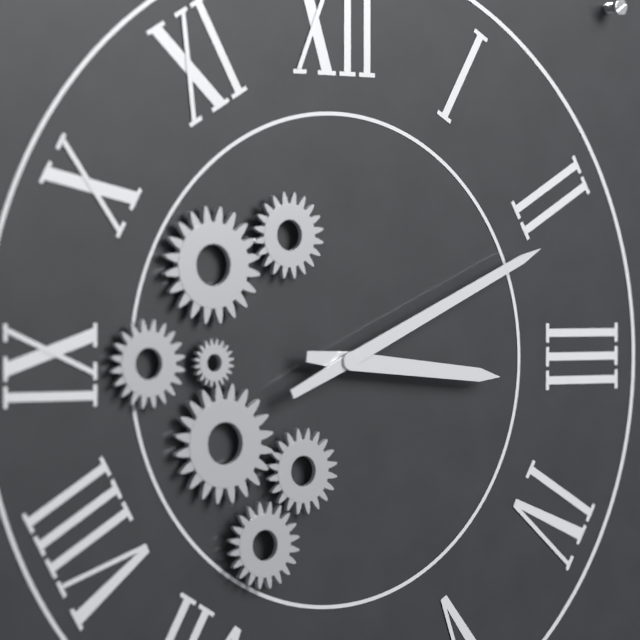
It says 3:11
